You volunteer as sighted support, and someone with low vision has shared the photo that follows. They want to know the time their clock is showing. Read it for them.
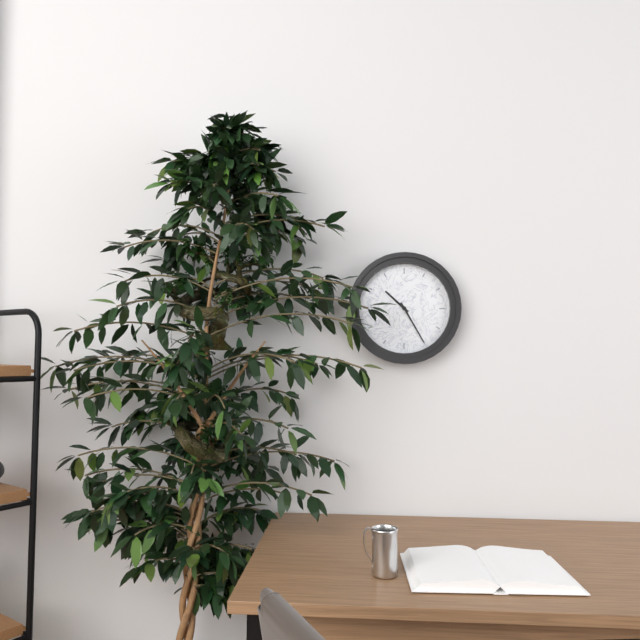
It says 10:25
